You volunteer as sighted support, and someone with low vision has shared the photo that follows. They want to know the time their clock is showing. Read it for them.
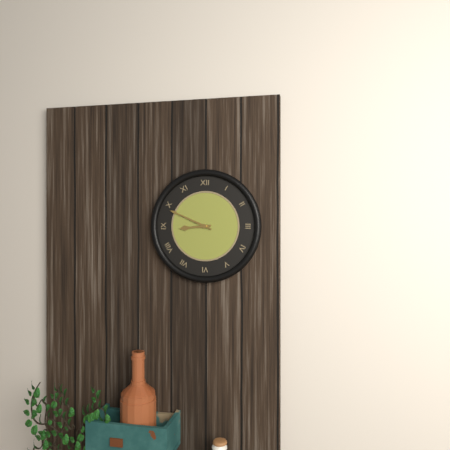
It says 8:49
